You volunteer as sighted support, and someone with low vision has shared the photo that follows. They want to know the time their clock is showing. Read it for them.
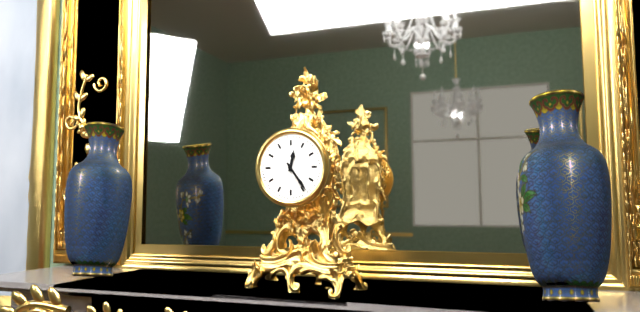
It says 12:24
